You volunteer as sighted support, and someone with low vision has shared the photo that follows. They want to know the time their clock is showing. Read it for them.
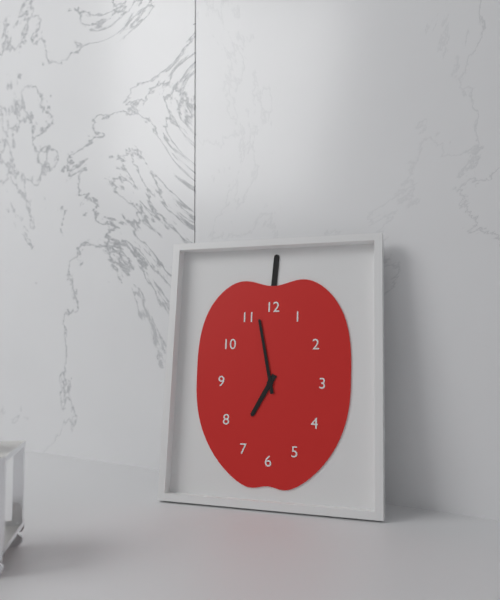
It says 6:58
